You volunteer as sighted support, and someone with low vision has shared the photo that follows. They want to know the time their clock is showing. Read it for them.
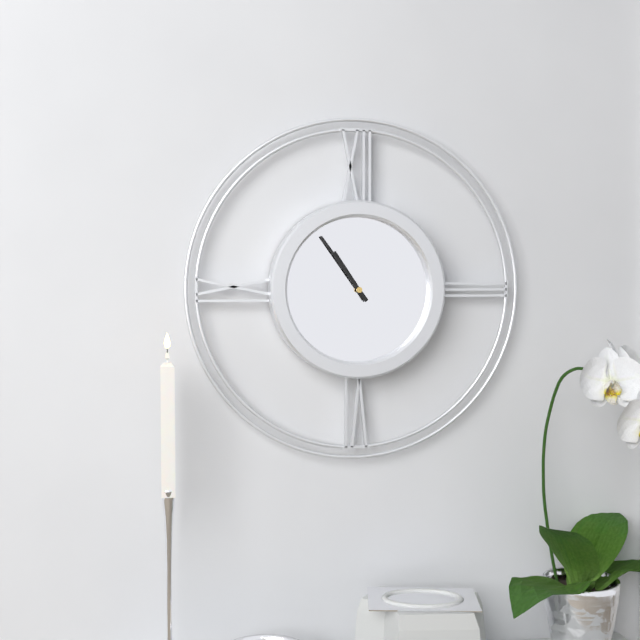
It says 10:54
